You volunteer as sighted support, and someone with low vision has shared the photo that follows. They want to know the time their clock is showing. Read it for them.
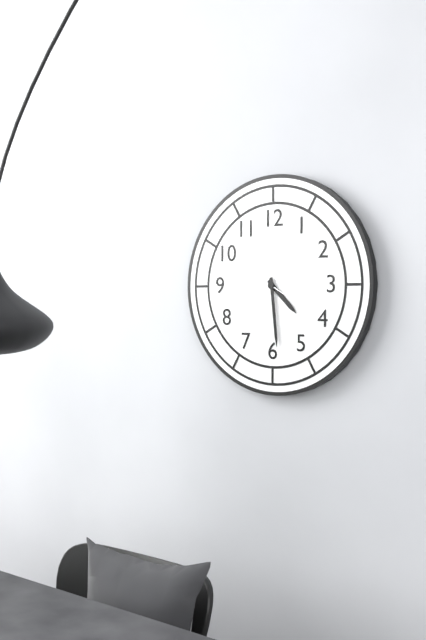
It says 4:29:20
